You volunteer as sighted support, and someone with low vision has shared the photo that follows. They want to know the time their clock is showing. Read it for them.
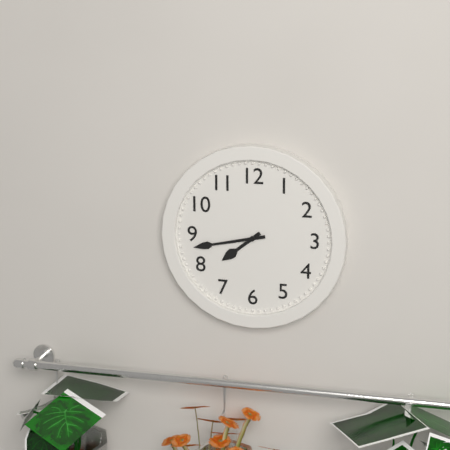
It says 7:43
